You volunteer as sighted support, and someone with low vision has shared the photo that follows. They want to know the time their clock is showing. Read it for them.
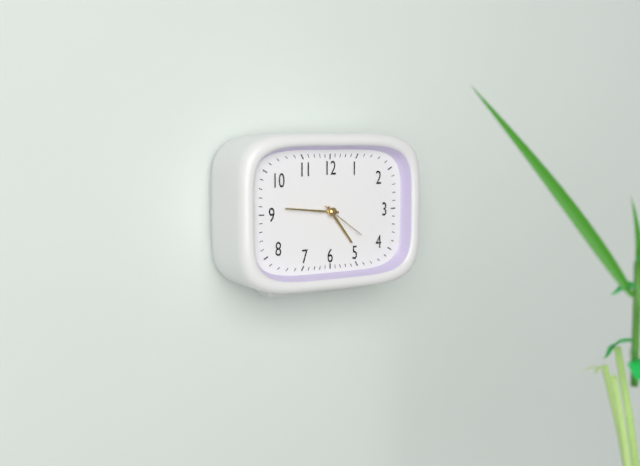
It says 4:46
